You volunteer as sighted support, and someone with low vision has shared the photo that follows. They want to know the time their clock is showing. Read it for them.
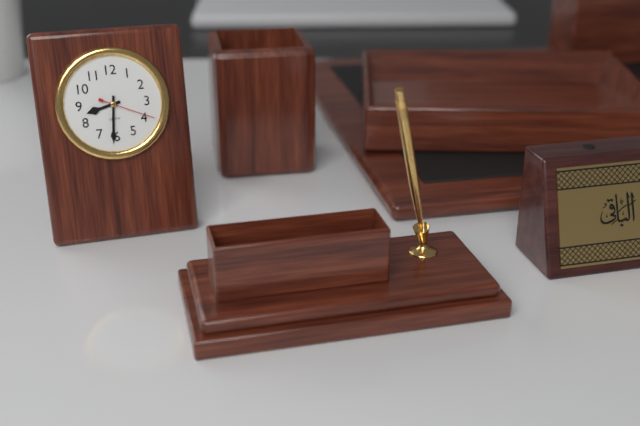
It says 8:31:19
